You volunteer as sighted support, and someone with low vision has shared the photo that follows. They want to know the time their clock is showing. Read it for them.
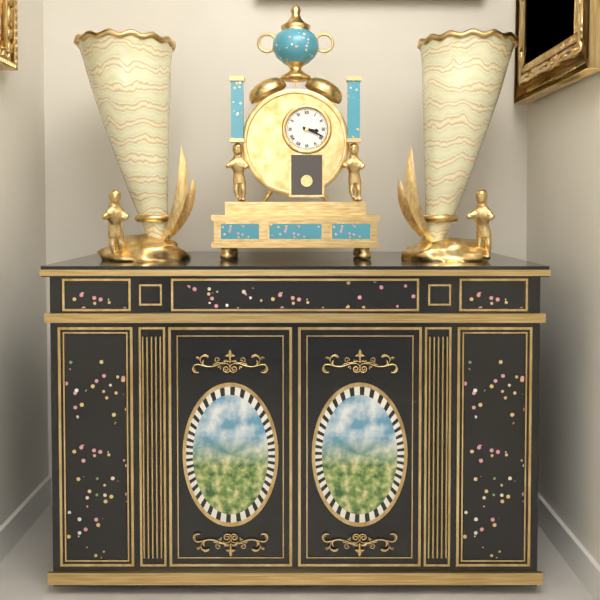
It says 3:19
